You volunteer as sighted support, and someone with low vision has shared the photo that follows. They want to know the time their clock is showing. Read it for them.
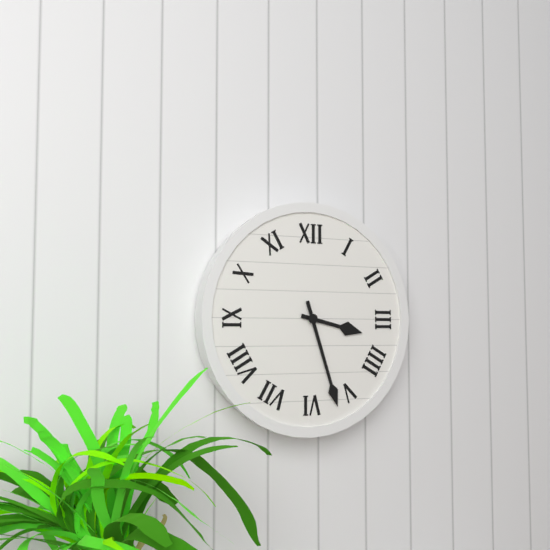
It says 3:27
